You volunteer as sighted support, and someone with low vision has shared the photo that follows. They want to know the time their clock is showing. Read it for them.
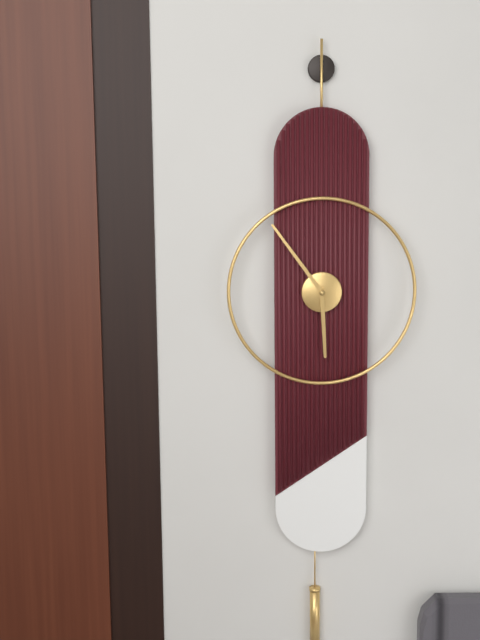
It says 5:54
